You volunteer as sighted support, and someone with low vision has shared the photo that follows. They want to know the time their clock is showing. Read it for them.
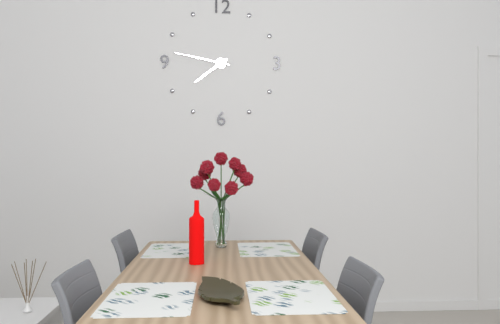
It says 7:47
